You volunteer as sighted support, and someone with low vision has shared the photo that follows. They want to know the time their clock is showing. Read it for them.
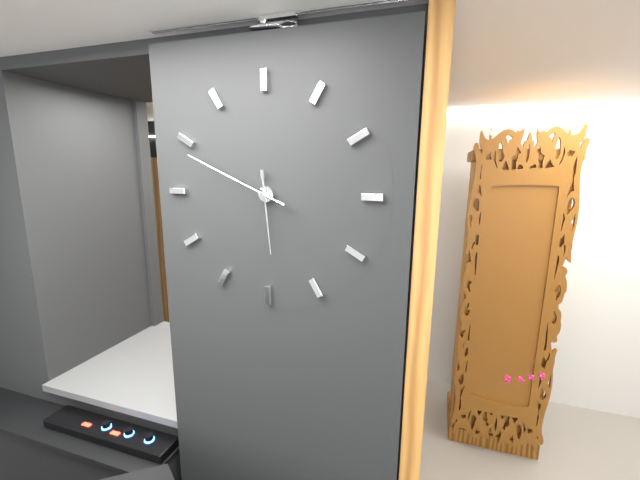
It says 5:49
